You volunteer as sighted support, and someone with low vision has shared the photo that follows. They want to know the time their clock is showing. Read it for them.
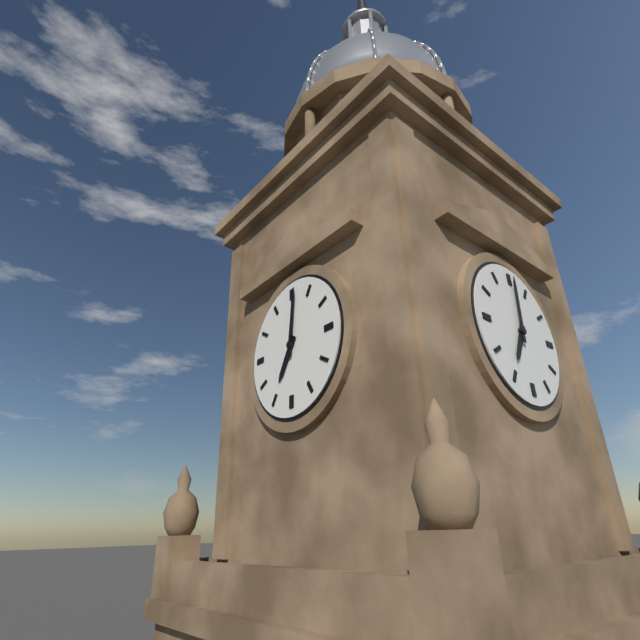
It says 7:01
